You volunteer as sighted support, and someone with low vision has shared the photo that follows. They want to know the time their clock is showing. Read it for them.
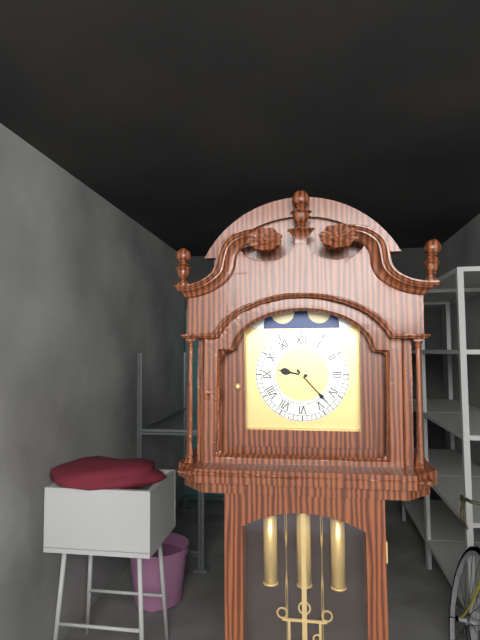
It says 9:23
